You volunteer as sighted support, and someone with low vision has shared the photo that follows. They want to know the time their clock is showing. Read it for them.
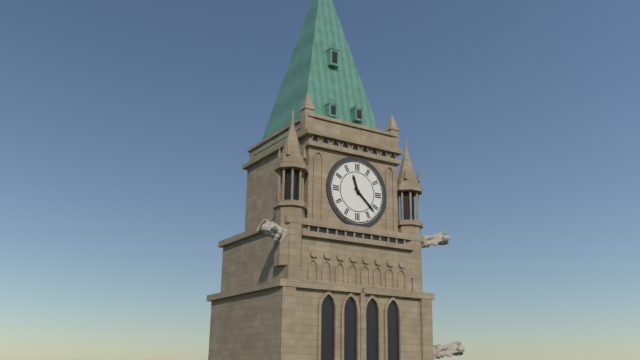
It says 11:22
